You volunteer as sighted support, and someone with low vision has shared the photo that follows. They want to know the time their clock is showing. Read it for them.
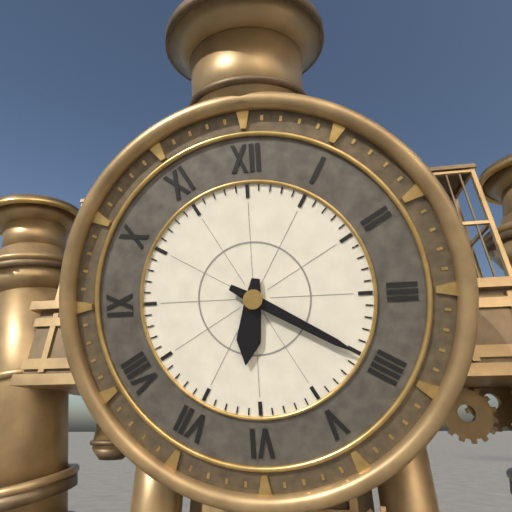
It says 6:20
